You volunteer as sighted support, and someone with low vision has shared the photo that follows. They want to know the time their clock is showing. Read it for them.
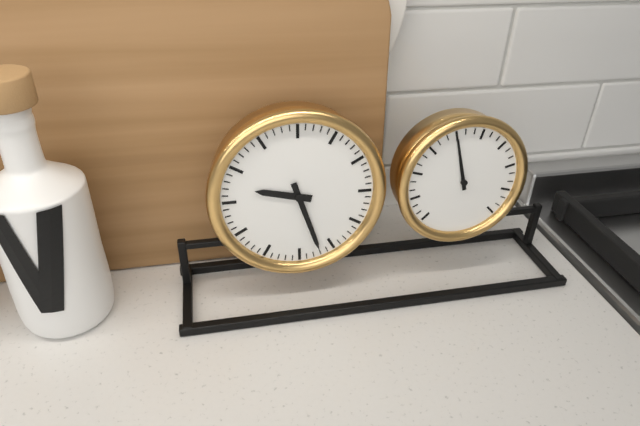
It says 9:27
